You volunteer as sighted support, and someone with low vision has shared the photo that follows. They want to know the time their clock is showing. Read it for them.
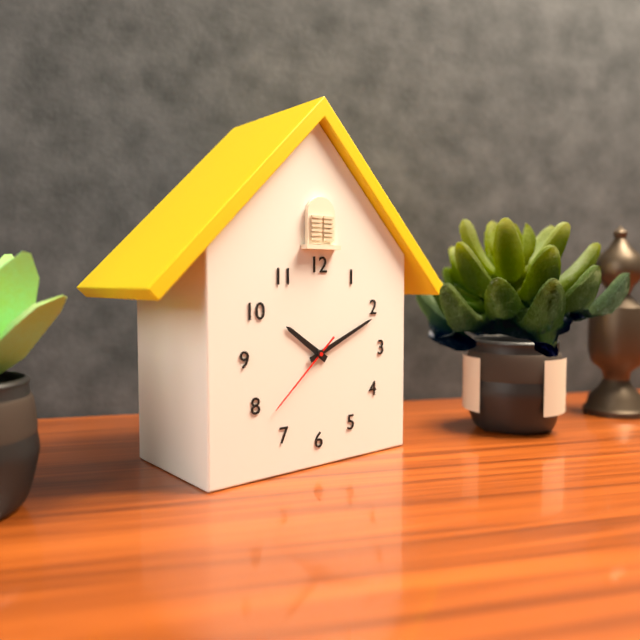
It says 10:11:38
